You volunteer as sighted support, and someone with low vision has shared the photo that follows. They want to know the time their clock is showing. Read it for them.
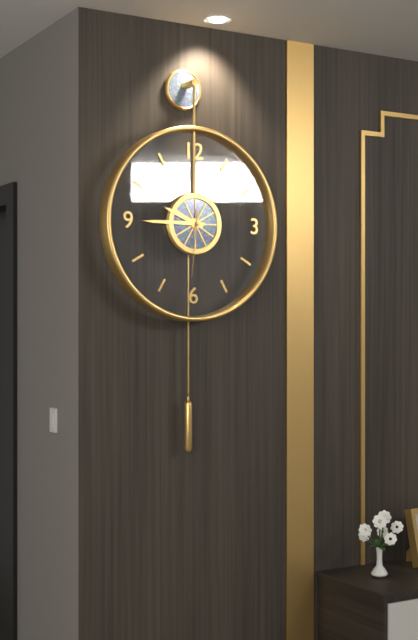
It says 9:45:31
